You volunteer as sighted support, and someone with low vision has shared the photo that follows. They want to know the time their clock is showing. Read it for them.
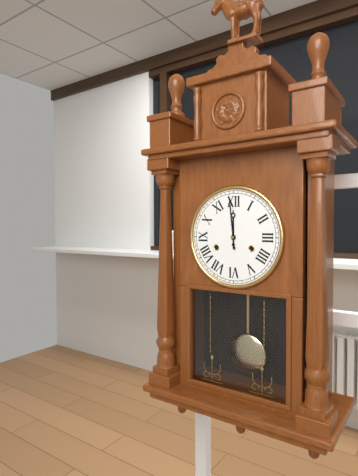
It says 11:59
